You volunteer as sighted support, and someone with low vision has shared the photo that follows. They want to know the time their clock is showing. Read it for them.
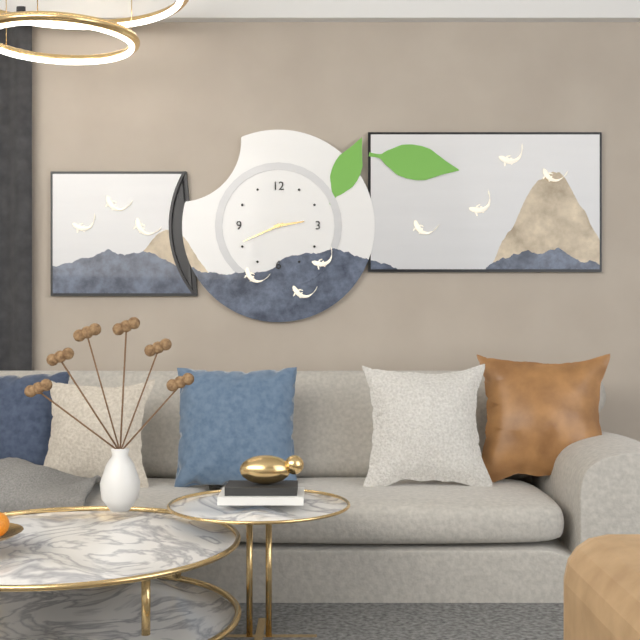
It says 2:41
